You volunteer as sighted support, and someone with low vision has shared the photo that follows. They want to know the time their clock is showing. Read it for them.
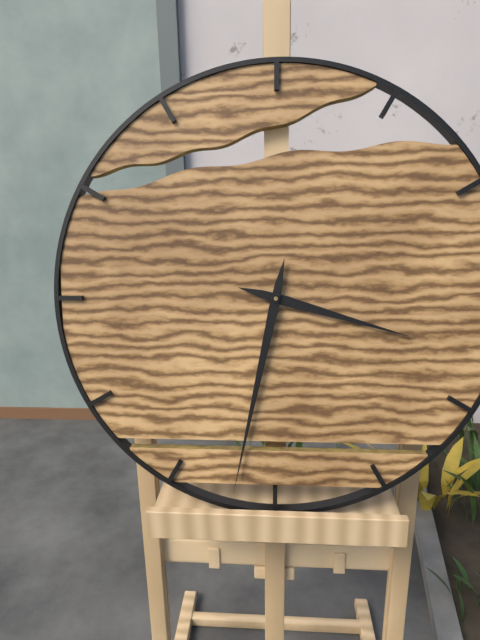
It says 3:32
